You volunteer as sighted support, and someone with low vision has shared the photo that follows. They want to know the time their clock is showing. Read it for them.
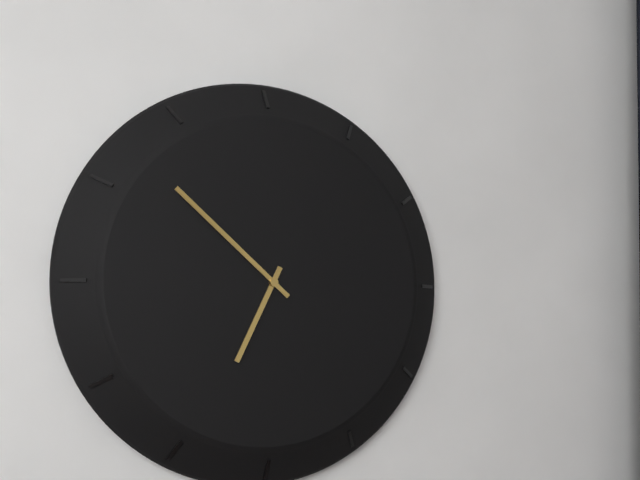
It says 6:52
